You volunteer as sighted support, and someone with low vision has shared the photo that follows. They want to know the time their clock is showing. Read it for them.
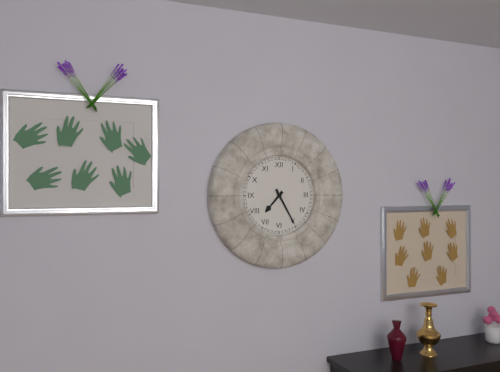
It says 7:25
